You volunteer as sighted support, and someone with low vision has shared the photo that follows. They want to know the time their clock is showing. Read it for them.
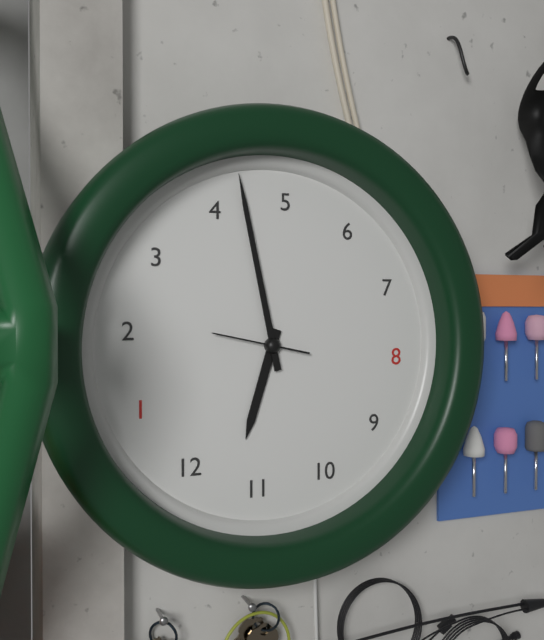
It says 11:22:11
